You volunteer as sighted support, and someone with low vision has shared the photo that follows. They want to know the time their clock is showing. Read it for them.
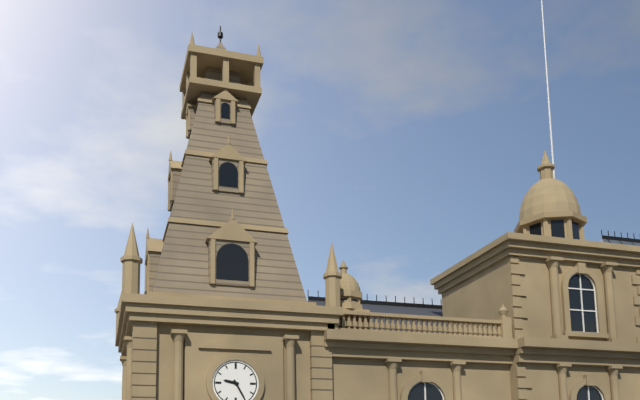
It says 9:25
